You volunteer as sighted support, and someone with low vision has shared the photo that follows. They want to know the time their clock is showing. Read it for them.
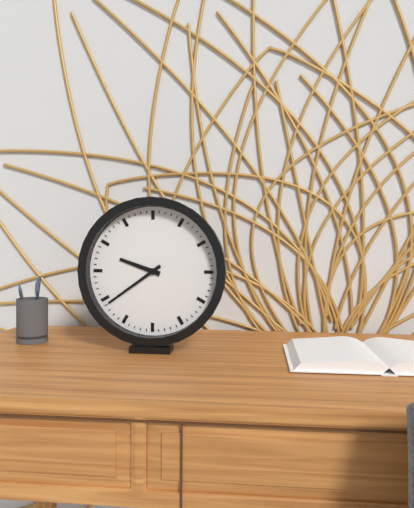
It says 9:39
